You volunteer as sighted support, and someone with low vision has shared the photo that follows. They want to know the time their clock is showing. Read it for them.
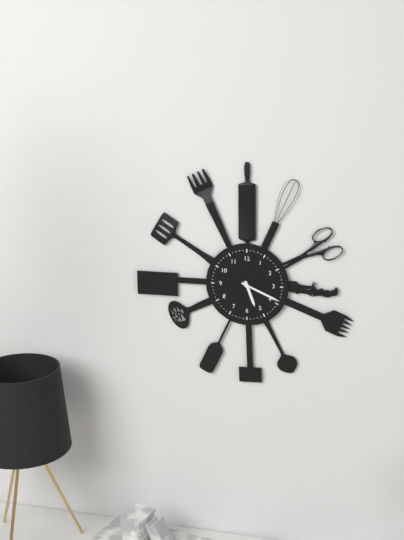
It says 5:19
